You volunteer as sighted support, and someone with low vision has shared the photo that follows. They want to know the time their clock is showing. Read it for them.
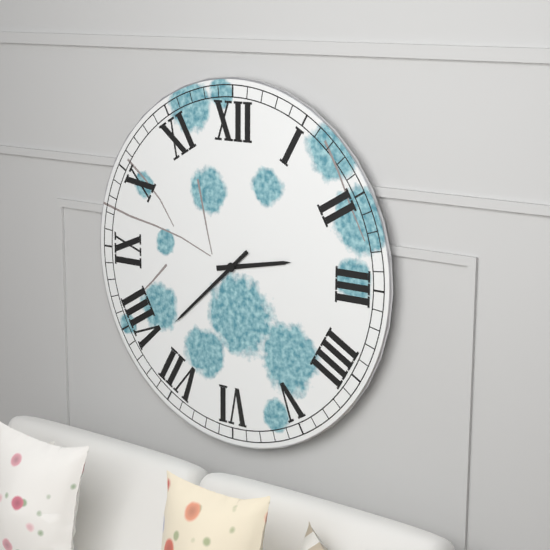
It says 2:38
